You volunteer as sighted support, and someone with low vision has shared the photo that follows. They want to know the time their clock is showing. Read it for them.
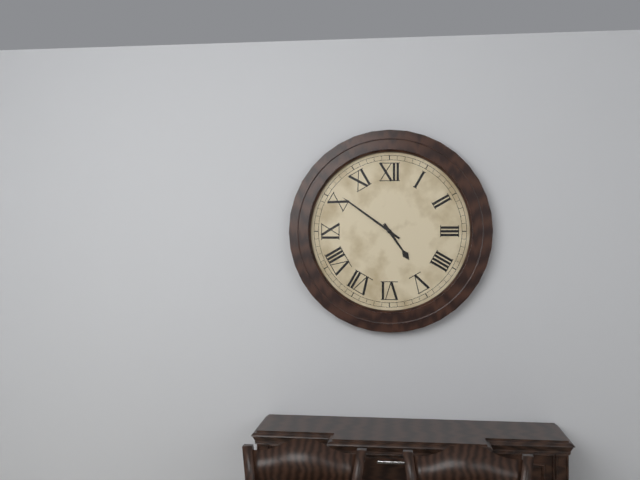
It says 4:51
